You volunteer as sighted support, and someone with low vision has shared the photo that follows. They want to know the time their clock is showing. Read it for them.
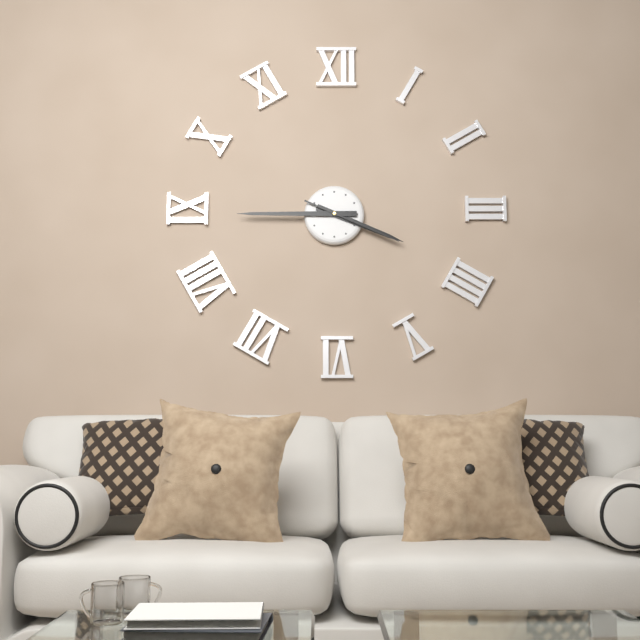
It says 3:45:19
